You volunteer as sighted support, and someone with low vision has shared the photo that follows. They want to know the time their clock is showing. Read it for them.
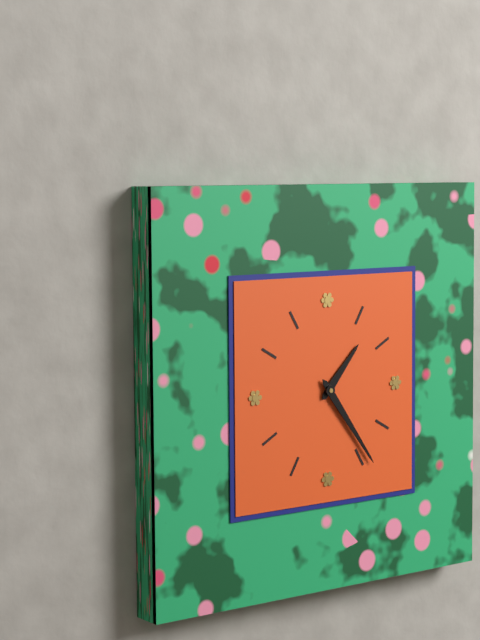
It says 1:24
